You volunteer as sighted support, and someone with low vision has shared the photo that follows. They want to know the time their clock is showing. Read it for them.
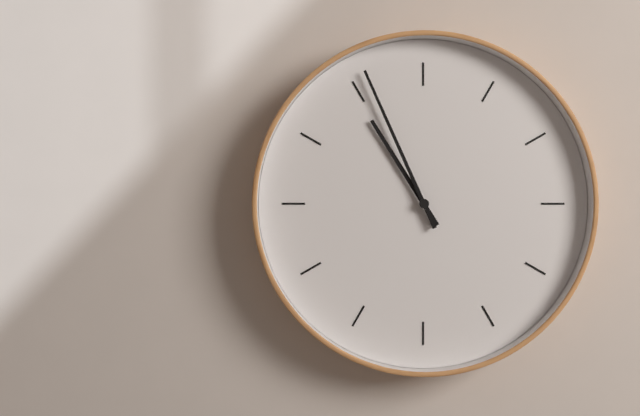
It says 10:56
